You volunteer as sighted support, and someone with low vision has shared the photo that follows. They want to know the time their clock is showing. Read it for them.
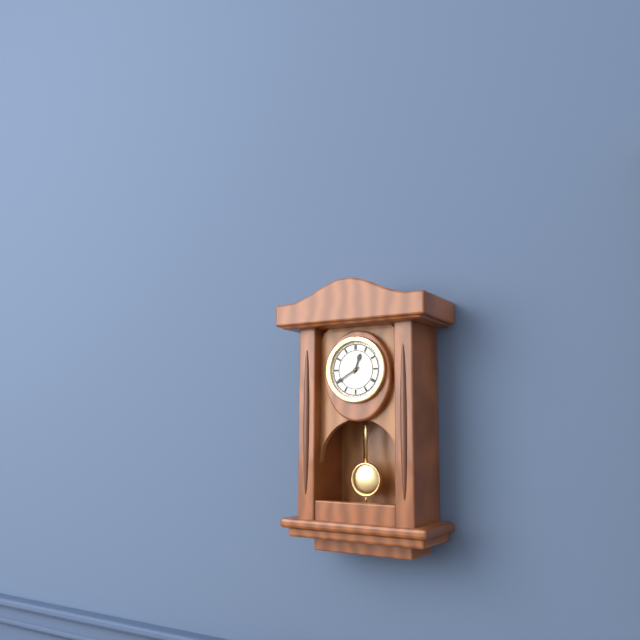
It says 12:40
